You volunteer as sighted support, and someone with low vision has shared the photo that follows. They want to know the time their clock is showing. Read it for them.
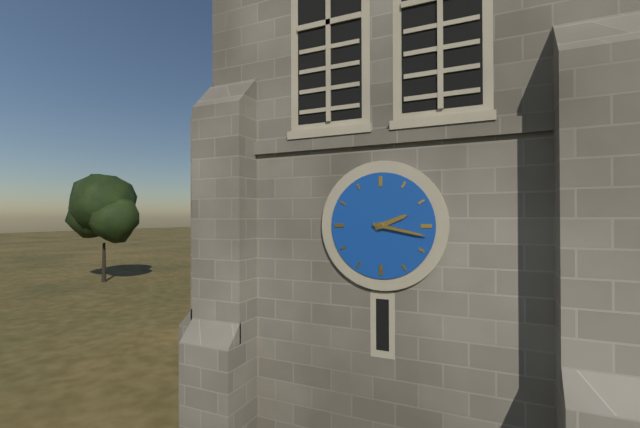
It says 2:17
